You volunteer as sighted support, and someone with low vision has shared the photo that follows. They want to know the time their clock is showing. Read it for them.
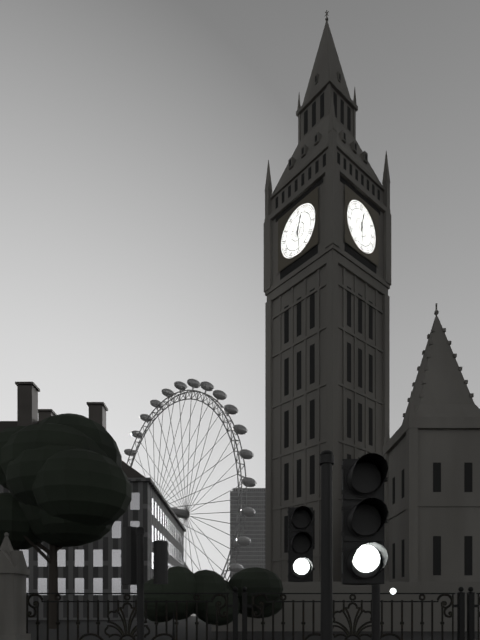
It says 12:29
